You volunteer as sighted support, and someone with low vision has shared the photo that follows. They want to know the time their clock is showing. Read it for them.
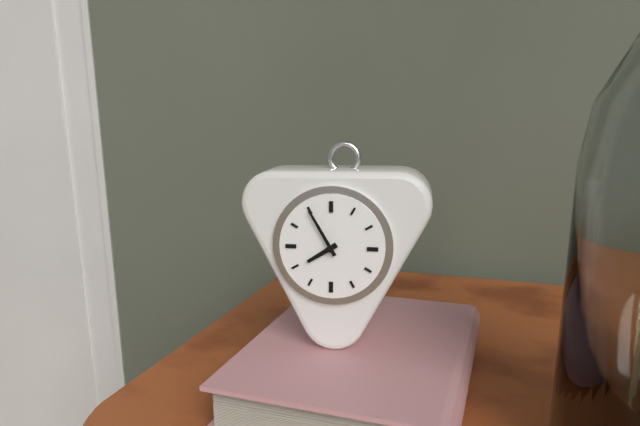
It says 7:55
